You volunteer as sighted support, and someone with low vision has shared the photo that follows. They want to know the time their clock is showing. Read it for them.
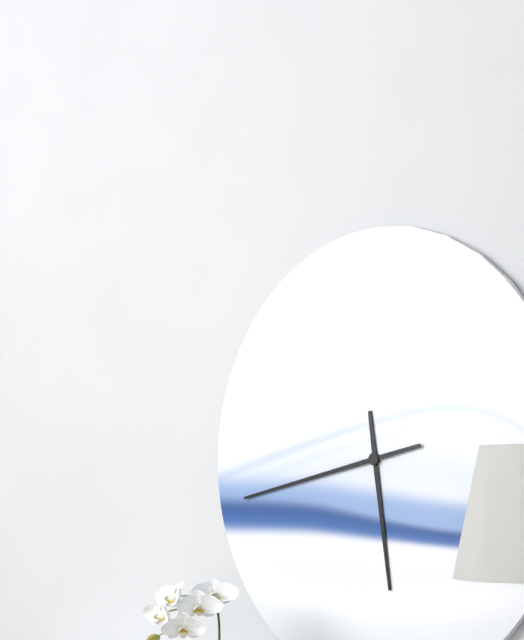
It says 5:43
